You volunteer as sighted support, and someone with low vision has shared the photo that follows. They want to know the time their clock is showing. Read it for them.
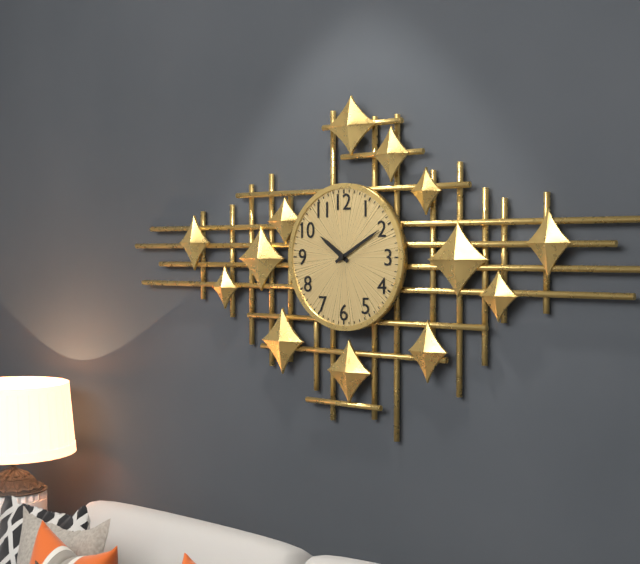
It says 10:10
